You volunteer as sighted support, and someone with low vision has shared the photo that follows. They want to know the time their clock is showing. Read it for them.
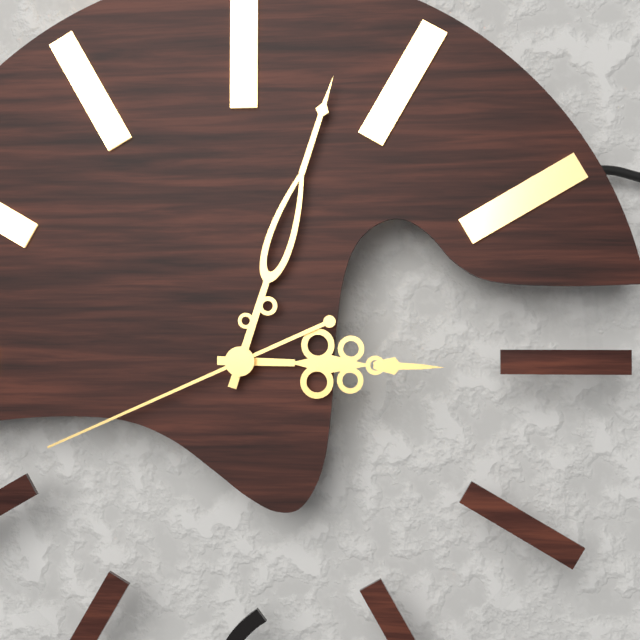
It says 3:03:41
